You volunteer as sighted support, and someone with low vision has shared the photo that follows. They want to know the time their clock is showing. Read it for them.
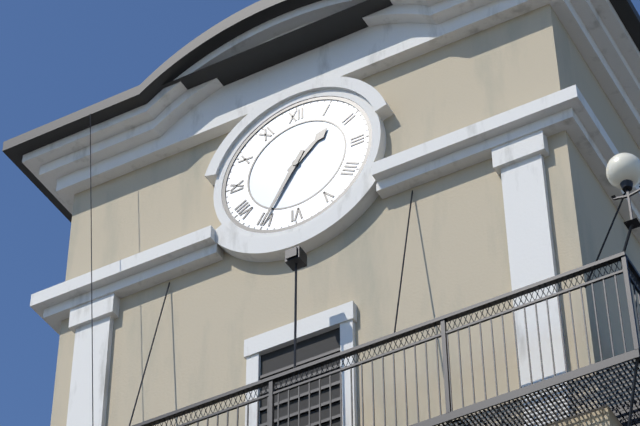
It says 1:35
